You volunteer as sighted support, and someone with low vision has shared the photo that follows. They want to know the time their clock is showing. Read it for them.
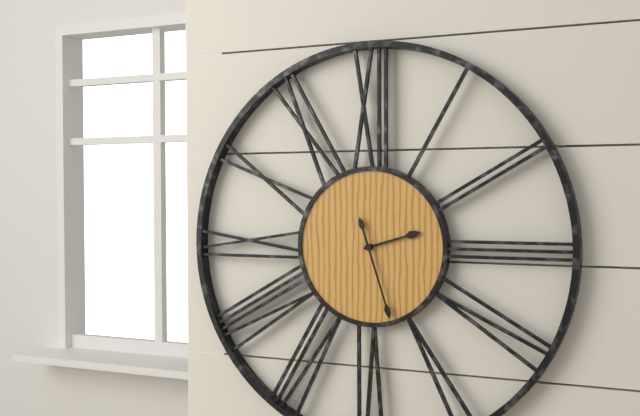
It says 2:27
